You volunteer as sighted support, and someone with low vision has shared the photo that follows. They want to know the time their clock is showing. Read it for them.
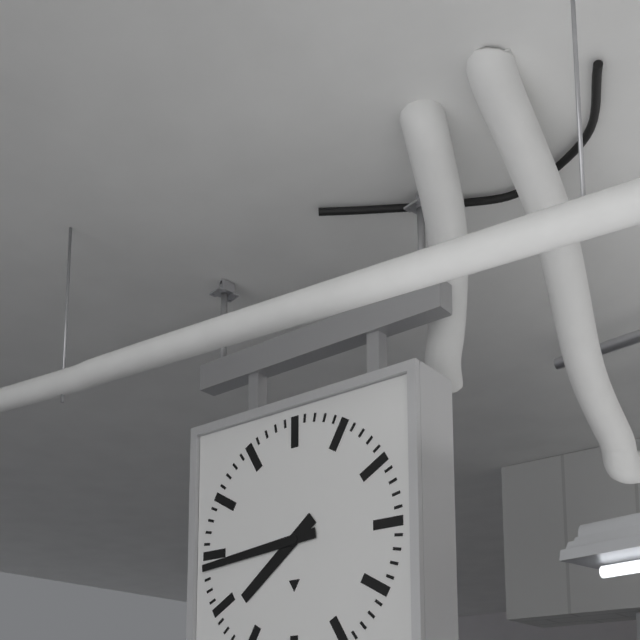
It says 7:44
